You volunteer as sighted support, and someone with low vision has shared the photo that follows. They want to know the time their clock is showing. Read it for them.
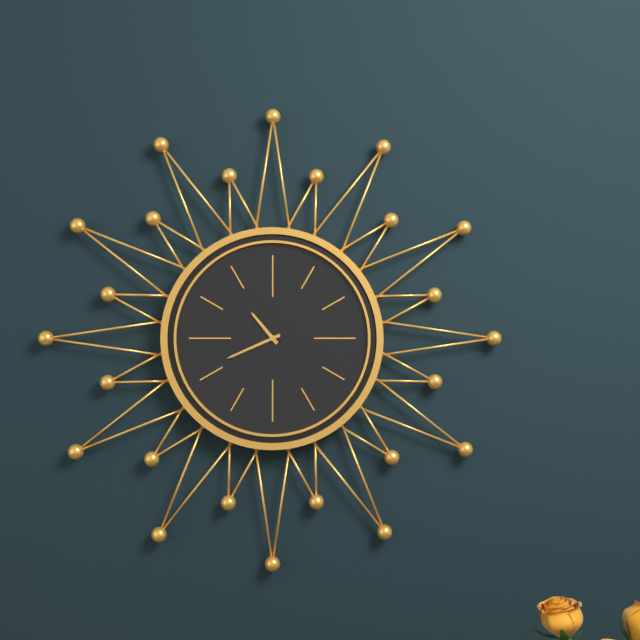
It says 10:41
